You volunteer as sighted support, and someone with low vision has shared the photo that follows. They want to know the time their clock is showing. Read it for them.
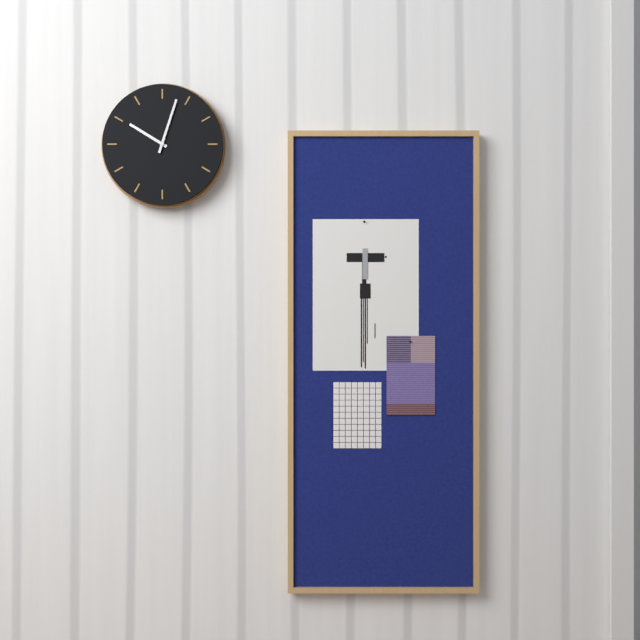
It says 10:03
